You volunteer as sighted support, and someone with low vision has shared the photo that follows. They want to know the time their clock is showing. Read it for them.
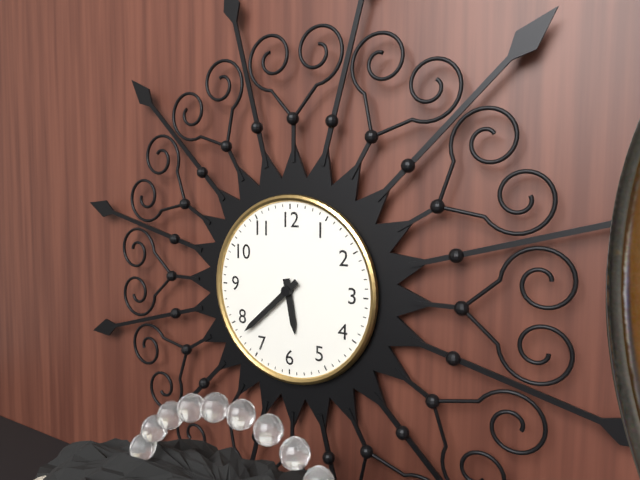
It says 5:38
